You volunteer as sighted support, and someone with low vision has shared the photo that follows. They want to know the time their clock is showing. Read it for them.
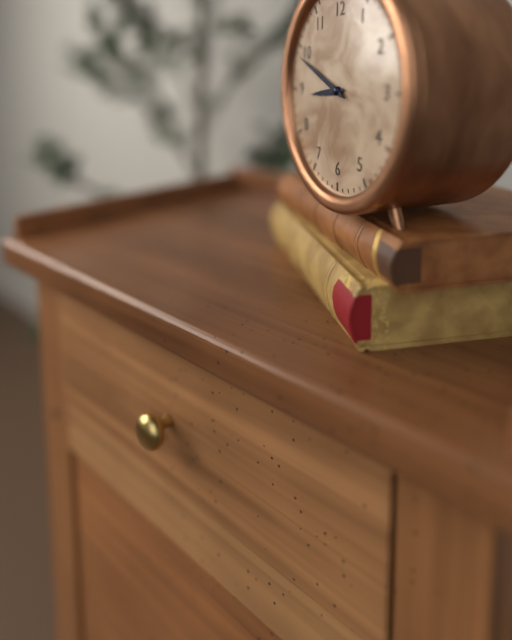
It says 8:49
